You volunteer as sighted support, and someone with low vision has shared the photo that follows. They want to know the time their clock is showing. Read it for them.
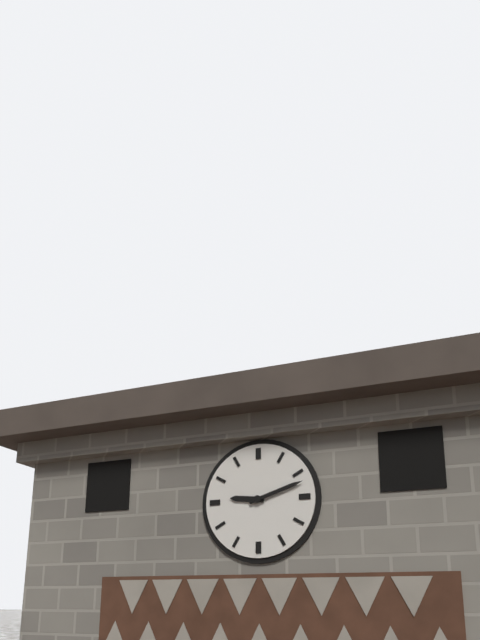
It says 9:12
